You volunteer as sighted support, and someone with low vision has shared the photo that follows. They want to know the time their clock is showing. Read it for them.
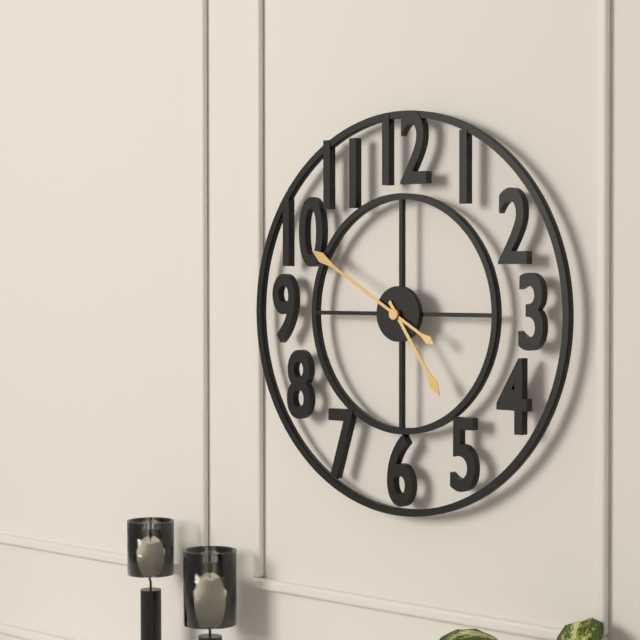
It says 4:50
